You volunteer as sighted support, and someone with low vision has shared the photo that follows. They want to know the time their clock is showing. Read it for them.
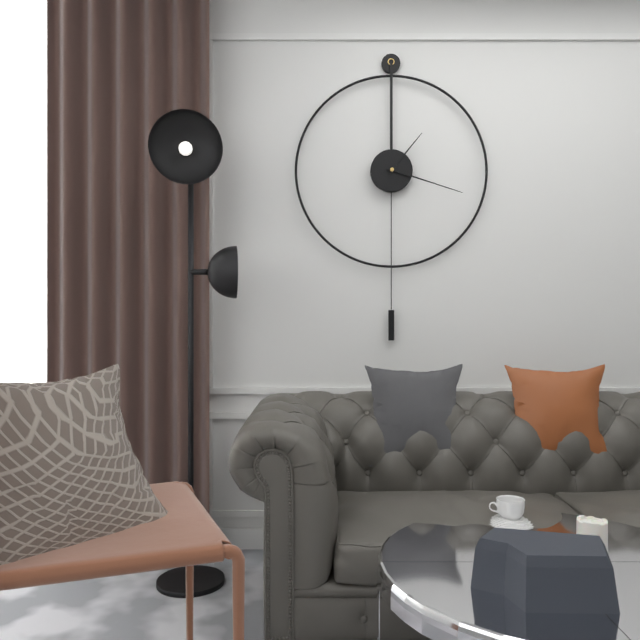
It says 1:18
